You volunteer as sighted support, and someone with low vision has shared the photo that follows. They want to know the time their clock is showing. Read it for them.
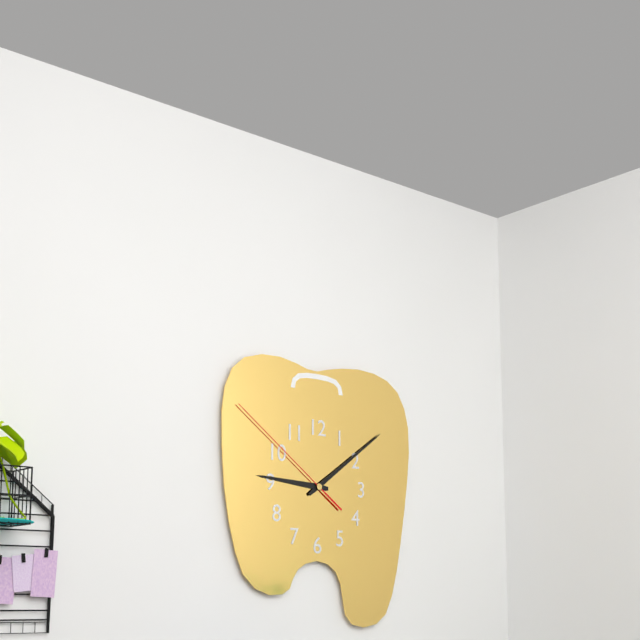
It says 9:09:51
